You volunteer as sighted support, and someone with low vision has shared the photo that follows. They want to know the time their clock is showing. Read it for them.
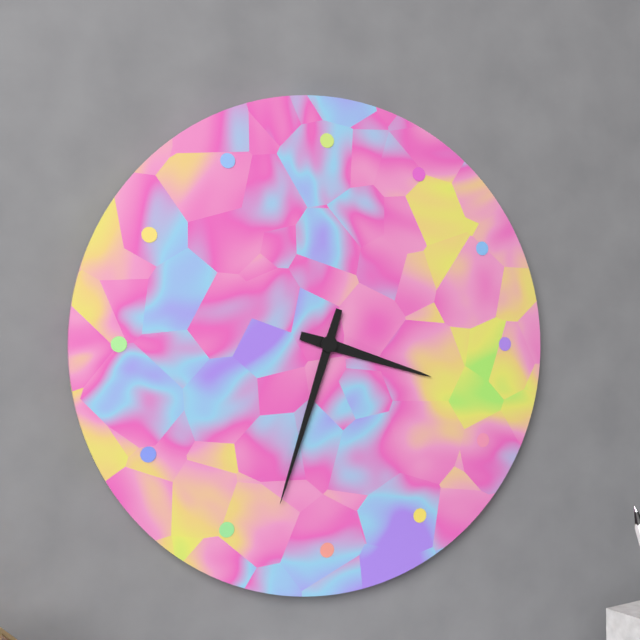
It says 3:33
